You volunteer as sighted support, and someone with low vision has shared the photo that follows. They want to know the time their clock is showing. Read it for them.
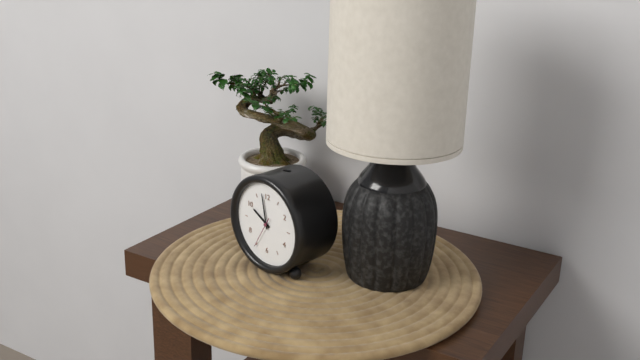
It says 9:58
